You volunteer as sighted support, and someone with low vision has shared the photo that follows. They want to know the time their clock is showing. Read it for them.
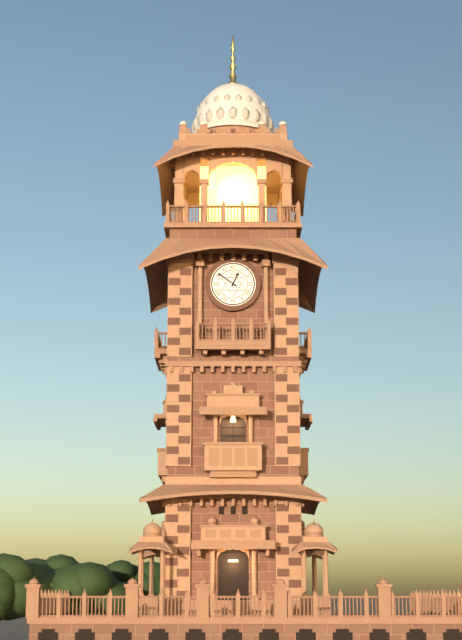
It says 12:51
